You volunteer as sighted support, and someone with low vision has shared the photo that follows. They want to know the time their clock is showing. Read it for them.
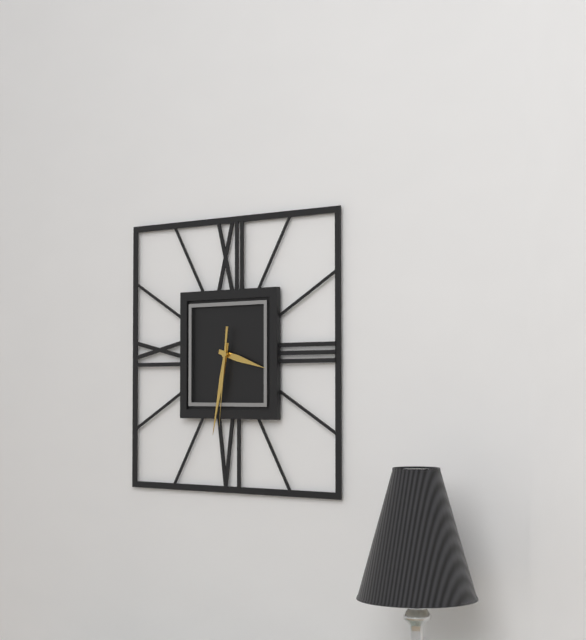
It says 3:32:31
